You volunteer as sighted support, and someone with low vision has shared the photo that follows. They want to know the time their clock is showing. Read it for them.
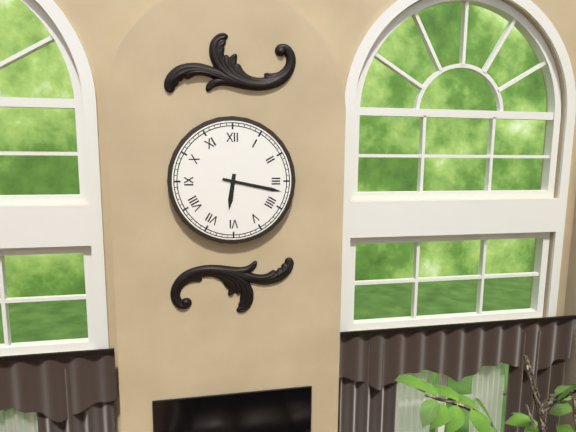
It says 6:17
